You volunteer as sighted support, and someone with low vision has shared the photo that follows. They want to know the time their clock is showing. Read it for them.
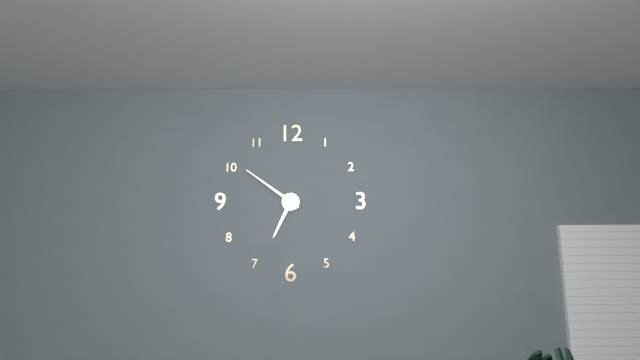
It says 6:51
